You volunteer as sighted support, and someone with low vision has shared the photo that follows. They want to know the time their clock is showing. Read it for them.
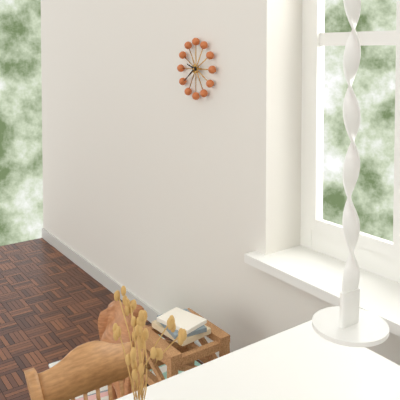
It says 9:39
